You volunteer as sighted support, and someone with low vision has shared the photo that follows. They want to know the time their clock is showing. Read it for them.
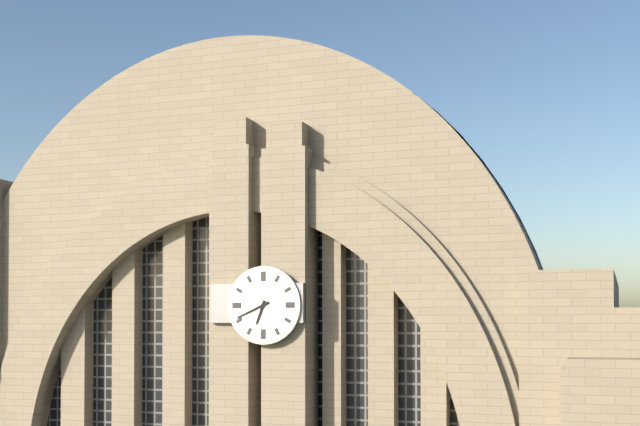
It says 6:41
